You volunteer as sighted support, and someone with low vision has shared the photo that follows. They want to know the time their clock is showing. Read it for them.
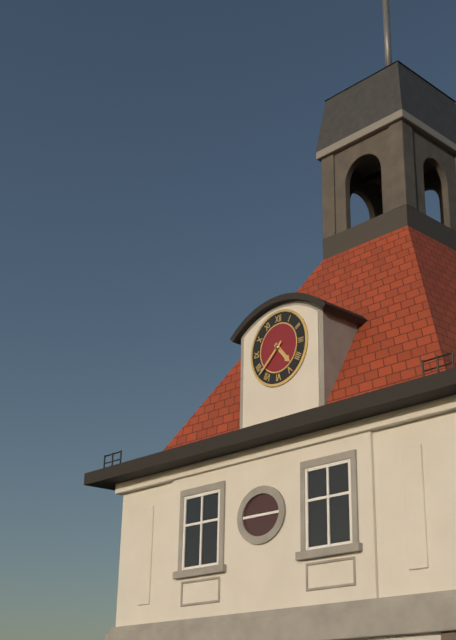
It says 4:38
